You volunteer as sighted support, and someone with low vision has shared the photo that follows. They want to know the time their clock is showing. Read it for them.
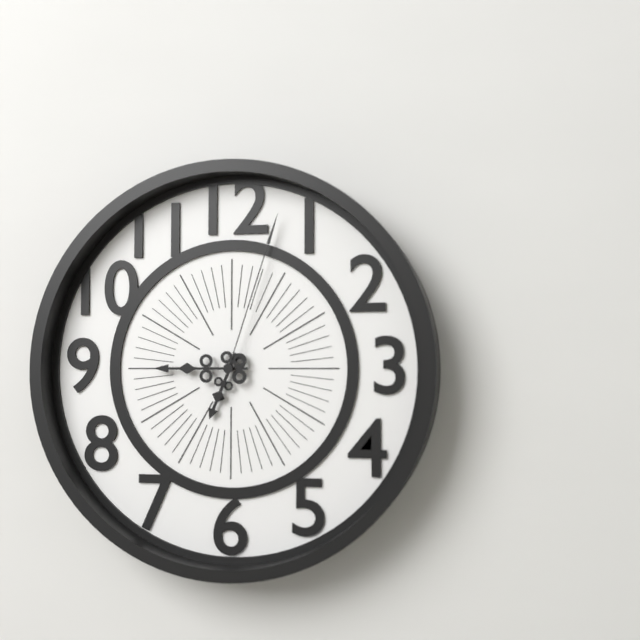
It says 6:45:03
